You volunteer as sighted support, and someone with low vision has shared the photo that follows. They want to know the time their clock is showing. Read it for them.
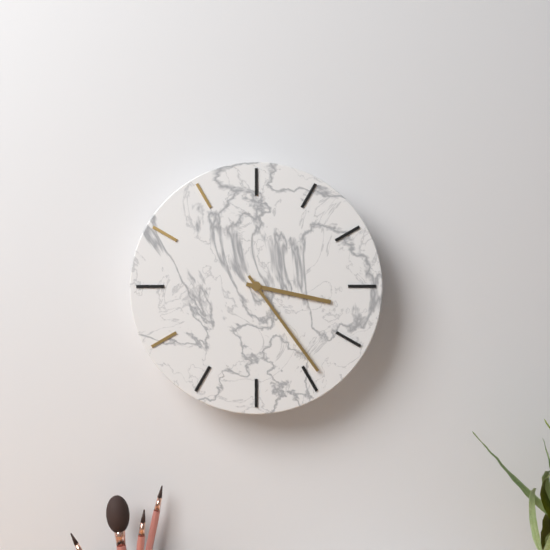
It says 3:24
